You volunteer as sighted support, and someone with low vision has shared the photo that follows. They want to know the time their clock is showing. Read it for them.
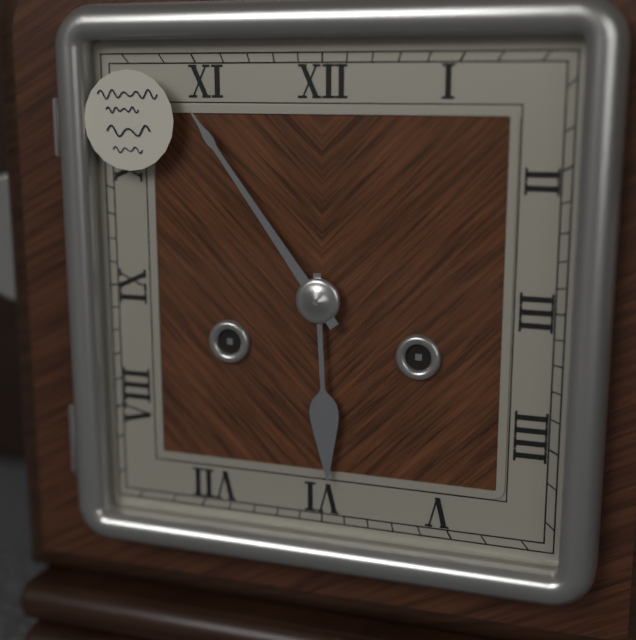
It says 5:54
